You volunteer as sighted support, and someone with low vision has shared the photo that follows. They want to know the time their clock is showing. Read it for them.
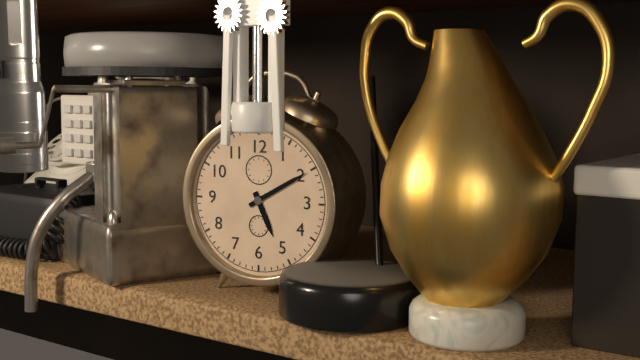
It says 5:10
